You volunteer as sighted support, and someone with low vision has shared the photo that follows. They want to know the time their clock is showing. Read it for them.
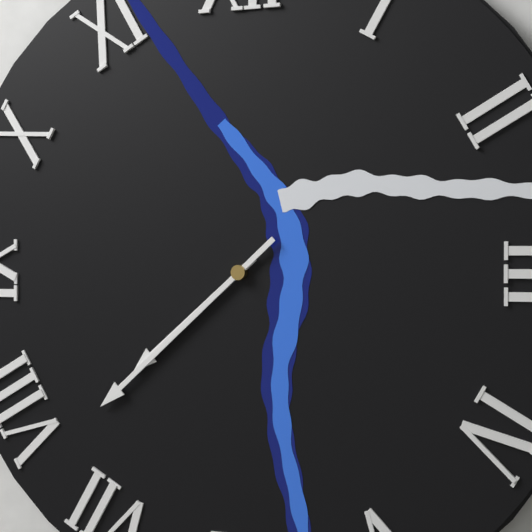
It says 7:38
